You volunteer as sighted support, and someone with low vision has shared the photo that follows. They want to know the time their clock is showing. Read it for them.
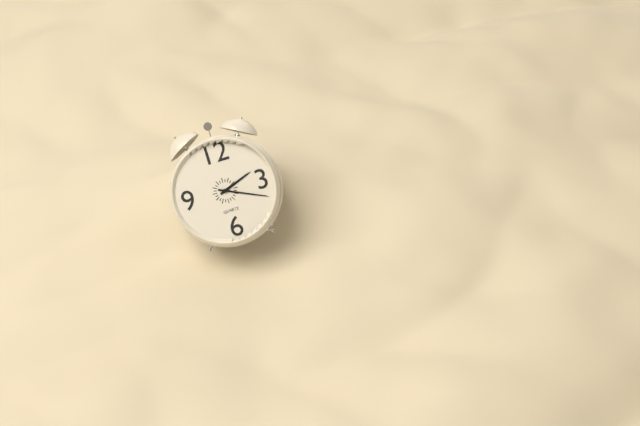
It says 2:19
